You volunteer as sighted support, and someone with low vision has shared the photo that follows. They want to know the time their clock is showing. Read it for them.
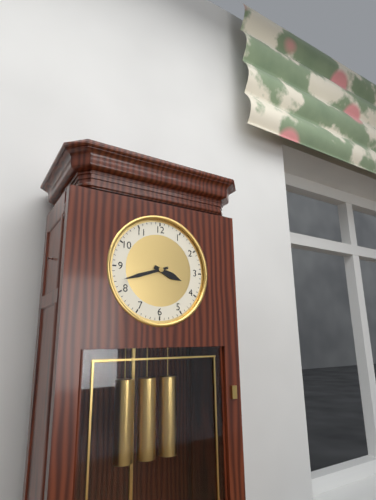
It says 3:42
